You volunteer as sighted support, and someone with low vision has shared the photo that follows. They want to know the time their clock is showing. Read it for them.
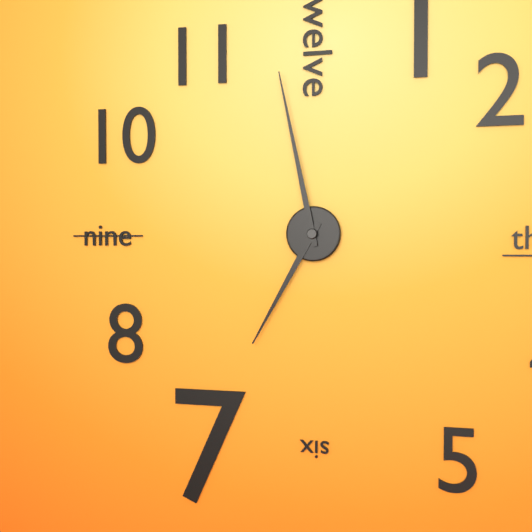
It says 6:58
